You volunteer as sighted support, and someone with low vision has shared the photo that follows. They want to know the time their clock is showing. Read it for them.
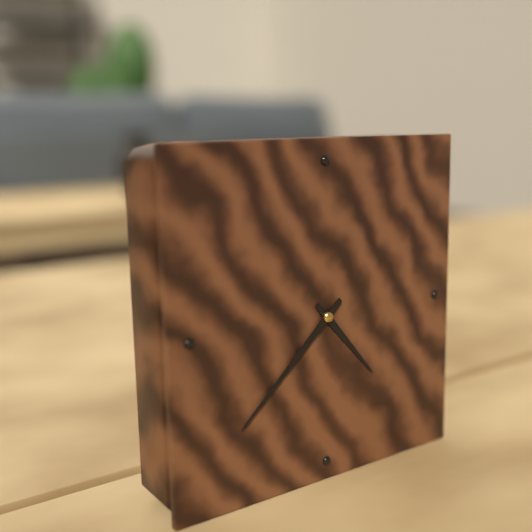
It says 4:38
